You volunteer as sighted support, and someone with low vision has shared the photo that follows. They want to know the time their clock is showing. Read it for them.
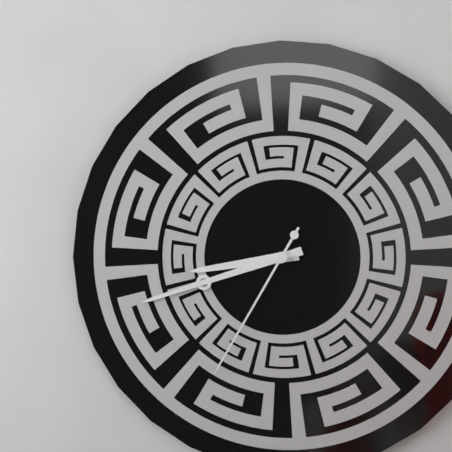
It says 8:42:35
